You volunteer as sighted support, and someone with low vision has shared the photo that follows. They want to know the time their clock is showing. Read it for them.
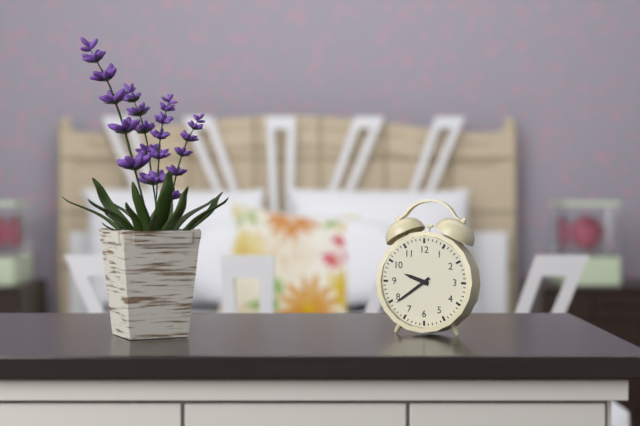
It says 9:39
